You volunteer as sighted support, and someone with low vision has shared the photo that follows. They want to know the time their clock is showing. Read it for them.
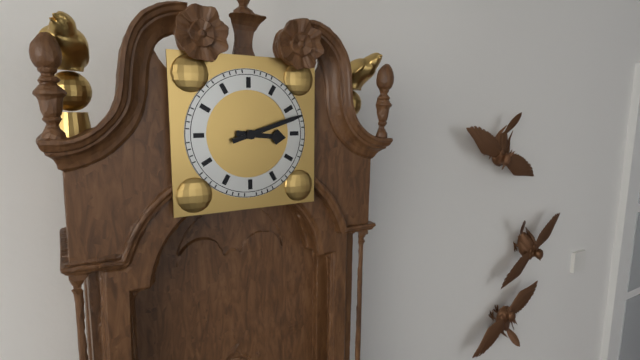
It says 3:12
